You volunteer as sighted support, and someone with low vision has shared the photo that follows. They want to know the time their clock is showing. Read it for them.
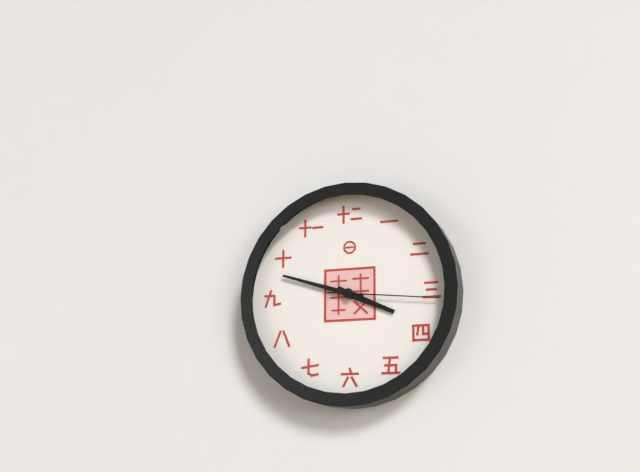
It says 3:48:16
